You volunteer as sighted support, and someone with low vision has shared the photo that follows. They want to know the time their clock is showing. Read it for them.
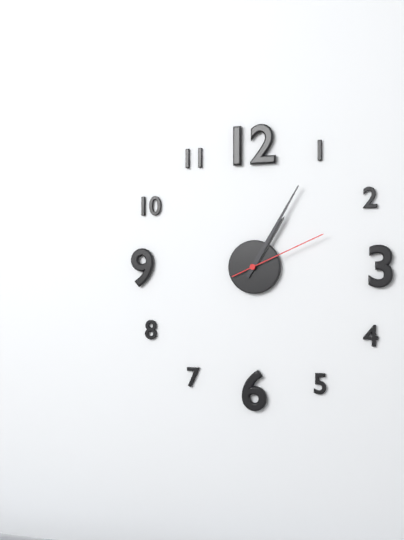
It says 1:05:11
